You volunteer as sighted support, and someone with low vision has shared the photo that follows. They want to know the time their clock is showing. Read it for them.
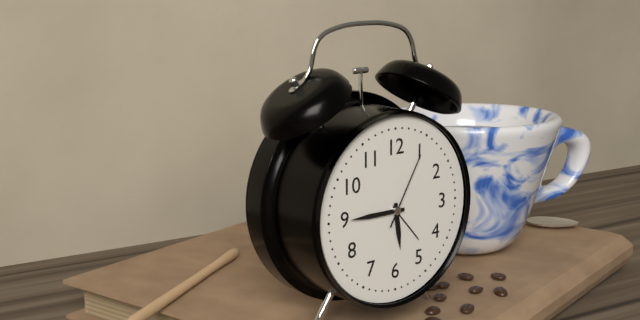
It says 5:45:05
